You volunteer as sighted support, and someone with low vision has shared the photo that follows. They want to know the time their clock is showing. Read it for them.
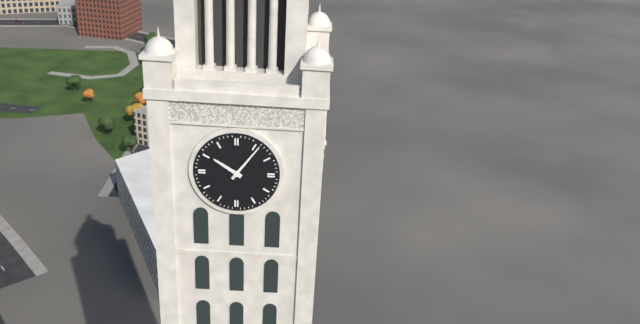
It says 10:06
